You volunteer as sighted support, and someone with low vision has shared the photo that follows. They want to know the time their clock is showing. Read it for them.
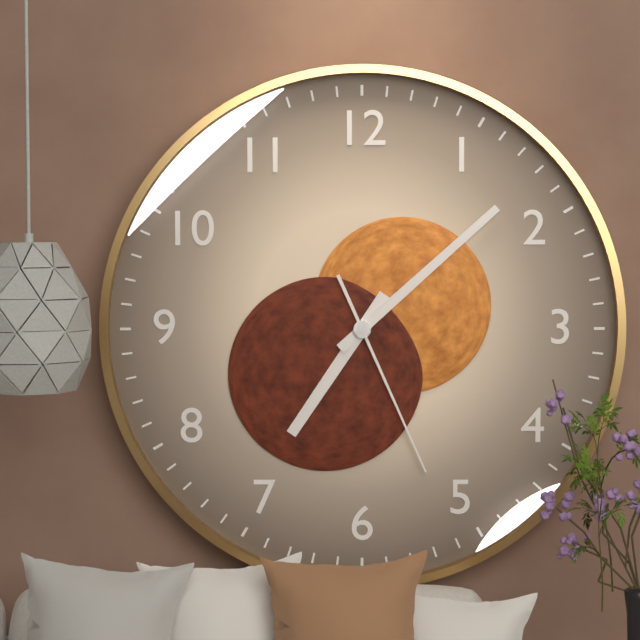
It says 7:08:26
